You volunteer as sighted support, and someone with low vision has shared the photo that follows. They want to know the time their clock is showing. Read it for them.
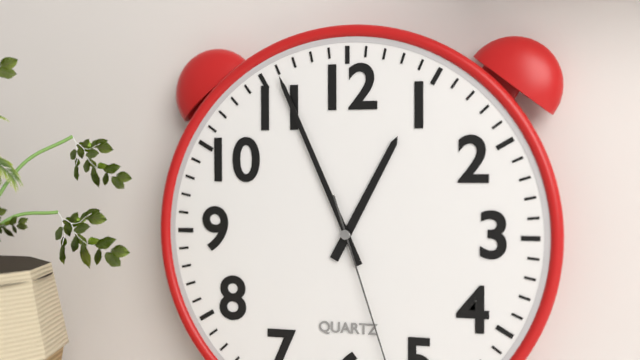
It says 12:56
